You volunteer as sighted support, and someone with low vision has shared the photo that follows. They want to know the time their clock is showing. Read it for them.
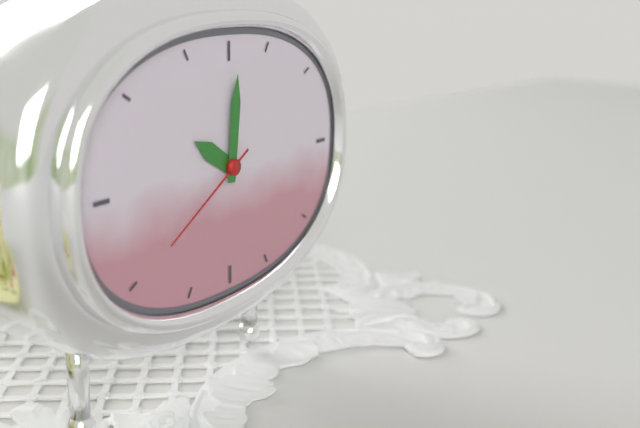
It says 10:01:40
